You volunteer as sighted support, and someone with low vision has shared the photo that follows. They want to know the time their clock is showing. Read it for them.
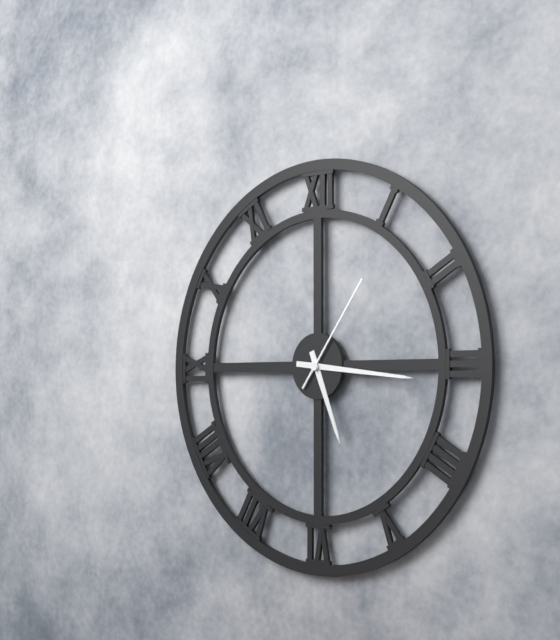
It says 5:16:06
